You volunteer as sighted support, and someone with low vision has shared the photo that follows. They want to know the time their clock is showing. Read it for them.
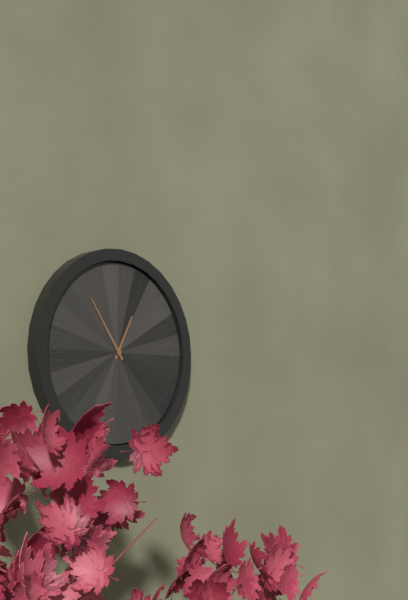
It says 12:54
